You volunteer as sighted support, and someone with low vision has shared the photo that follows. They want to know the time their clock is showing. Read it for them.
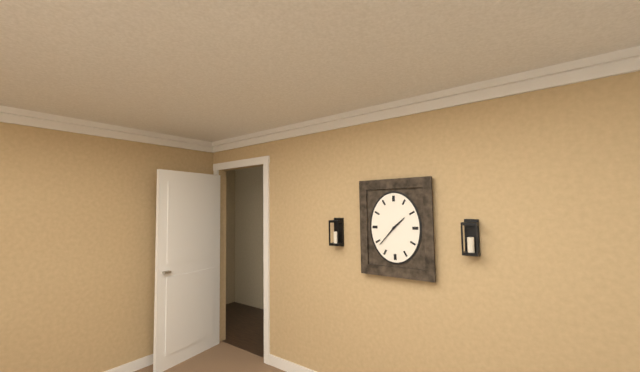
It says 1:37
